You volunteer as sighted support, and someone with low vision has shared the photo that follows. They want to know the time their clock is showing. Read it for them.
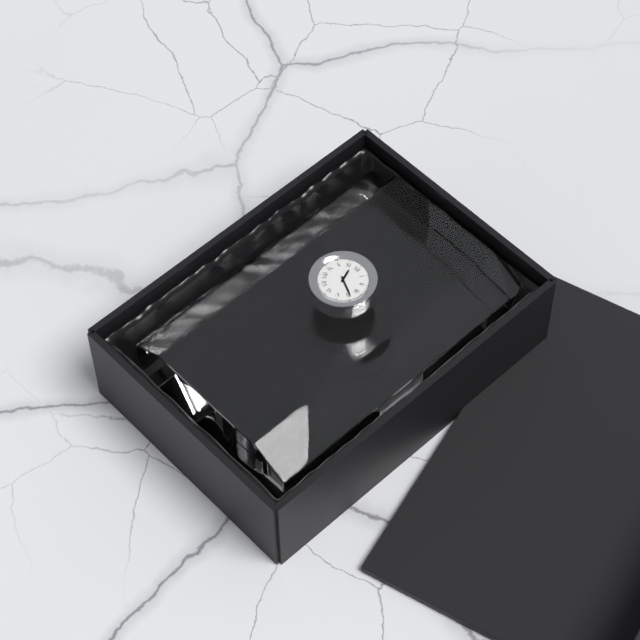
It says 11:19
